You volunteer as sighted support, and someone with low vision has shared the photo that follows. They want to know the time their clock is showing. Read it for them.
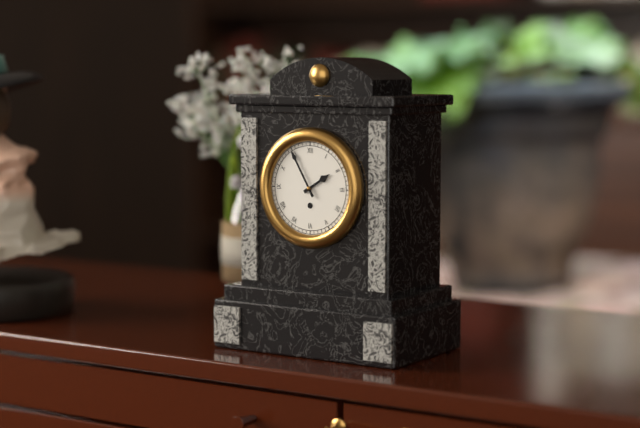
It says 1:55
